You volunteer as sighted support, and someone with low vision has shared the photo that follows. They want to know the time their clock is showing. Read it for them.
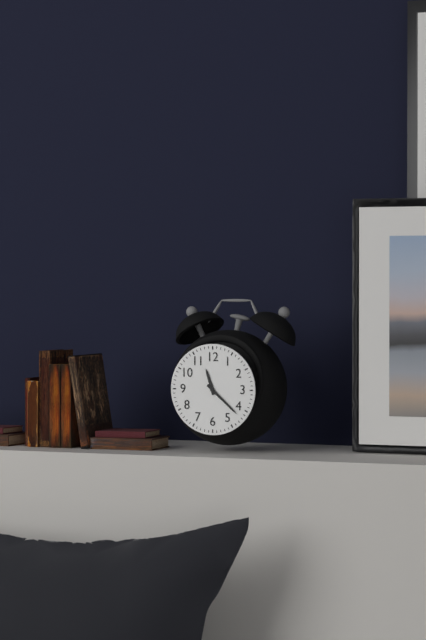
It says 11:22
